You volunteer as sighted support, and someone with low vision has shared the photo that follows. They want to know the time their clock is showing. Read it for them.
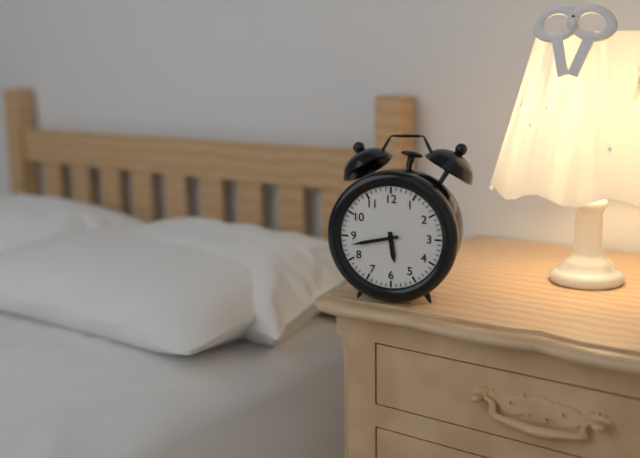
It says 5:43
